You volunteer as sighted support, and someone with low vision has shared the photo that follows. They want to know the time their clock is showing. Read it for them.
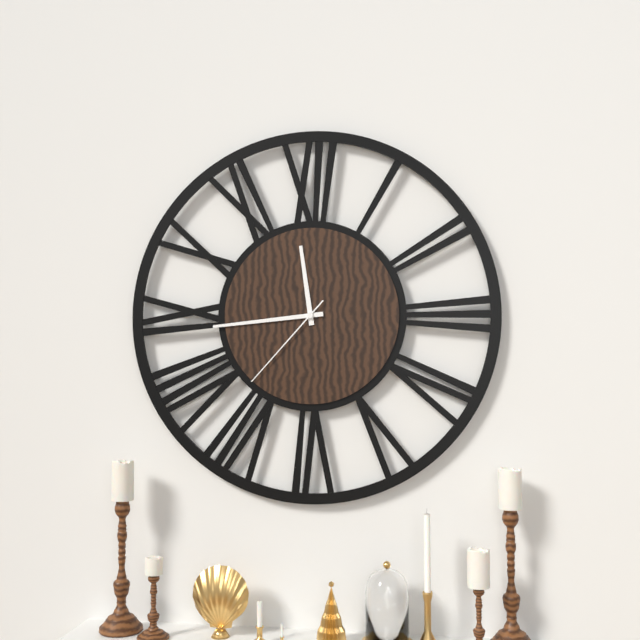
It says 11:44:37
